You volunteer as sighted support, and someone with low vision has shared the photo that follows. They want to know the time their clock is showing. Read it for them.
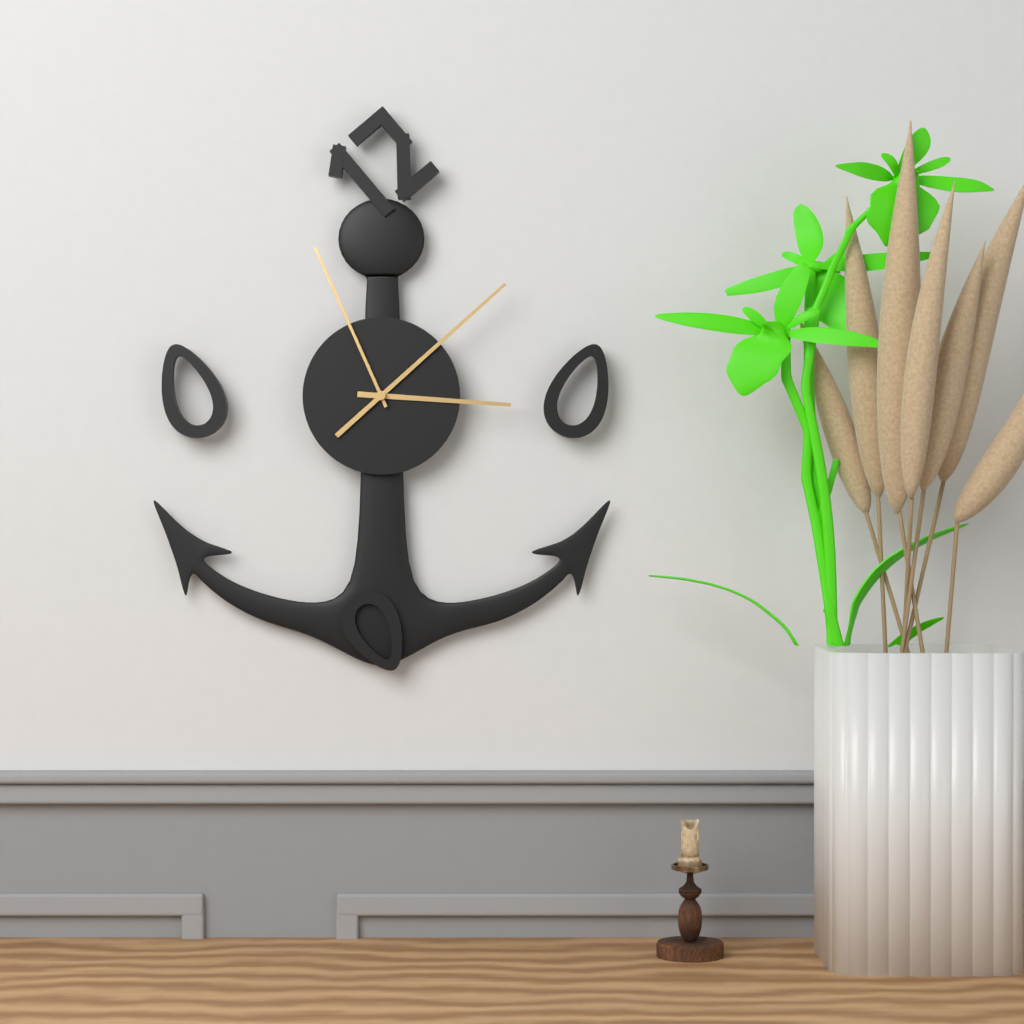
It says 3:08:56
